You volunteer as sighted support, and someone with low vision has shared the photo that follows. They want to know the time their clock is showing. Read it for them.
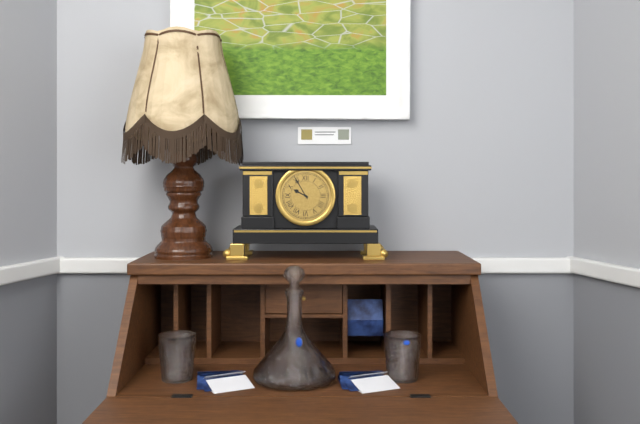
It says 9:55
